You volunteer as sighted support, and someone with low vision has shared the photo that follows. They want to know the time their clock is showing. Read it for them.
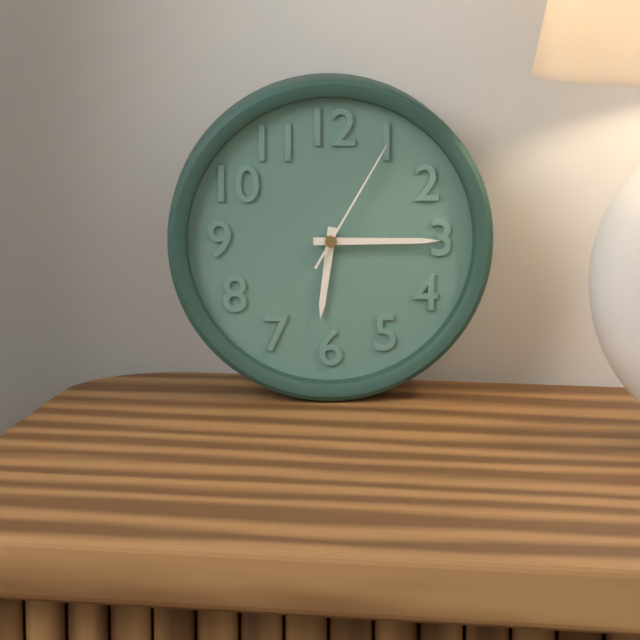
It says 6:15:05
